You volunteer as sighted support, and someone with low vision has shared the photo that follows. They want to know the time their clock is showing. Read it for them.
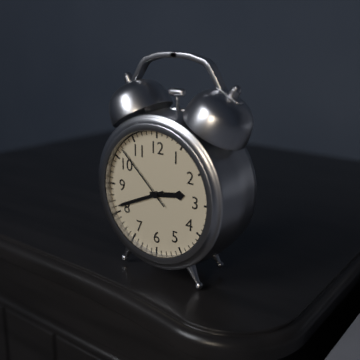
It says 2:41:52
